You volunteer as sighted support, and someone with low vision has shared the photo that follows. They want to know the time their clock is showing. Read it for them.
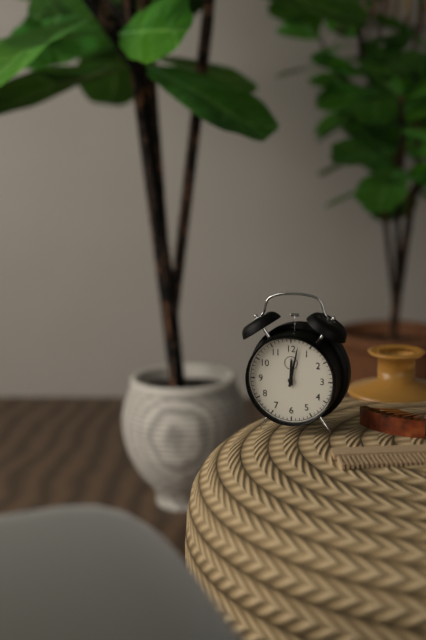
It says 12:02
